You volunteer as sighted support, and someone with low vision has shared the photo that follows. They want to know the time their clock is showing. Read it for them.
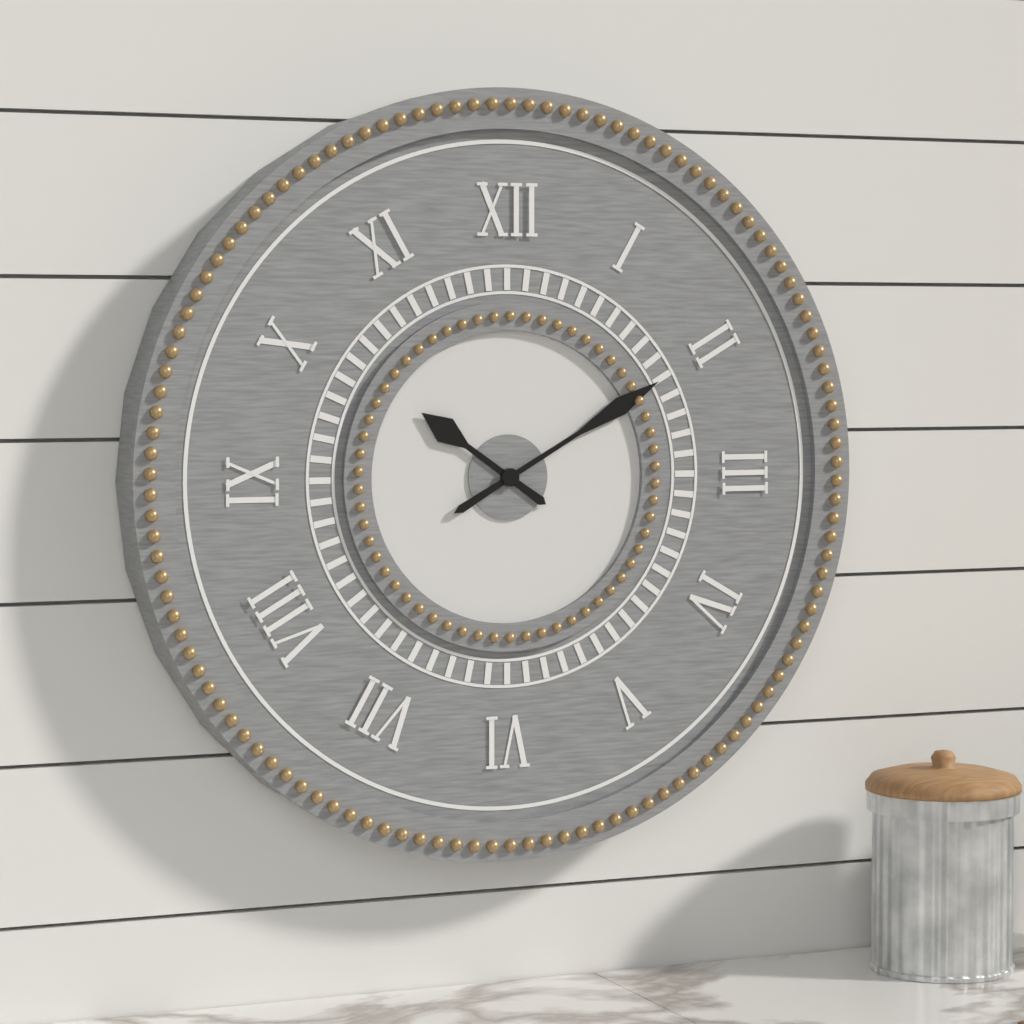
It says 10:10
